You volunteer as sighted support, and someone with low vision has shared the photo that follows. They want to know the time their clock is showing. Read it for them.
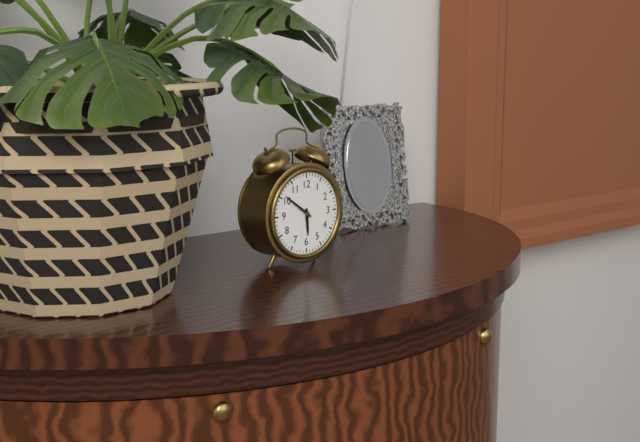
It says 5:51
